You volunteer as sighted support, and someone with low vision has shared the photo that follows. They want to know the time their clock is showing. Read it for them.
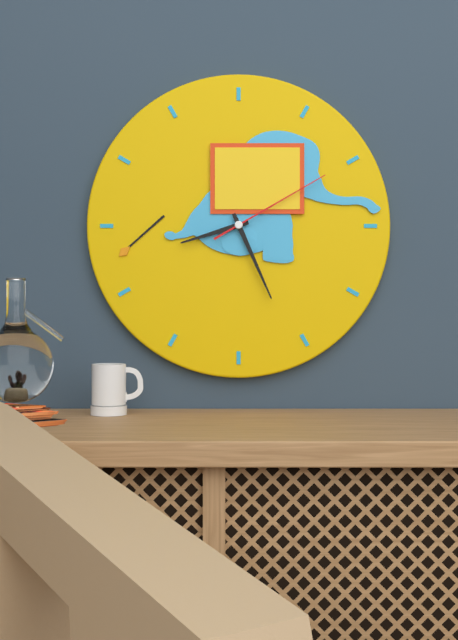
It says 8:26:10
